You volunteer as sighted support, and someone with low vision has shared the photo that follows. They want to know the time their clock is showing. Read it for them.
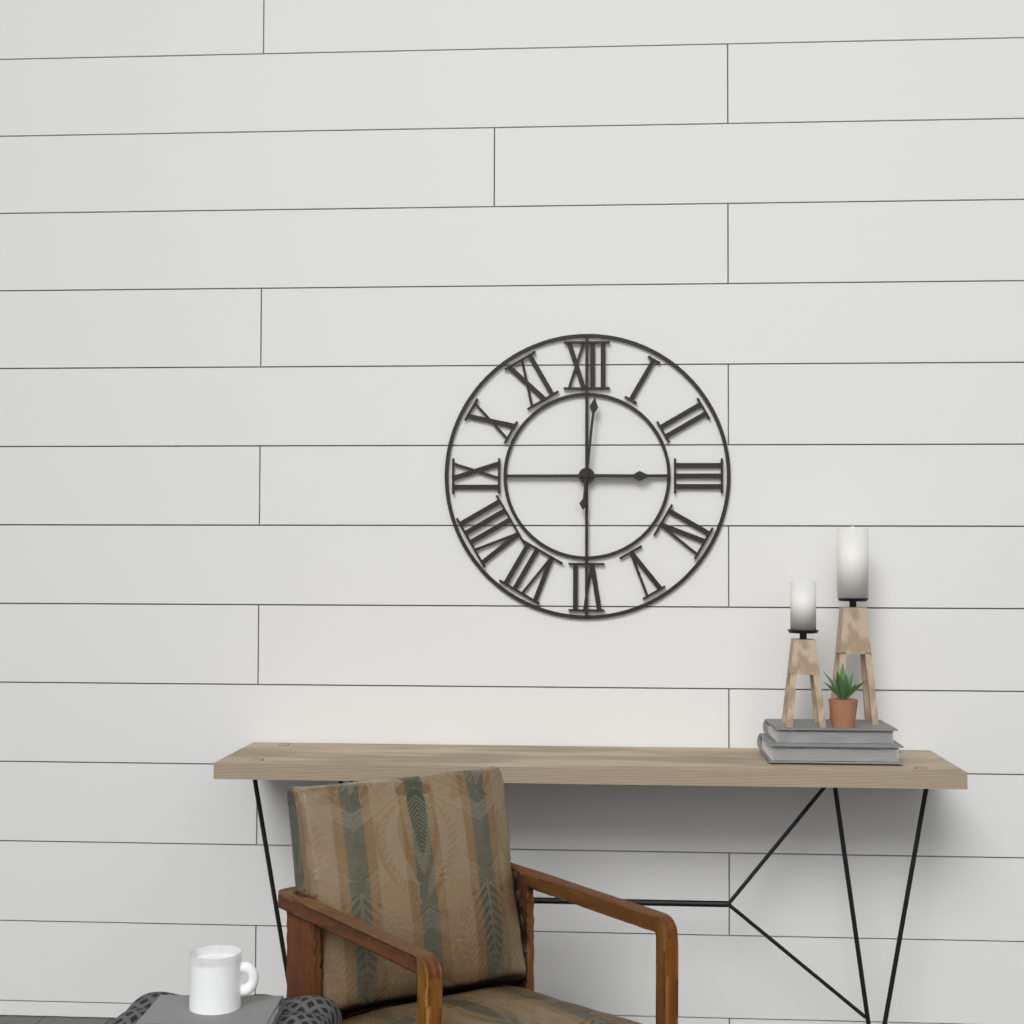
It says 3:01
